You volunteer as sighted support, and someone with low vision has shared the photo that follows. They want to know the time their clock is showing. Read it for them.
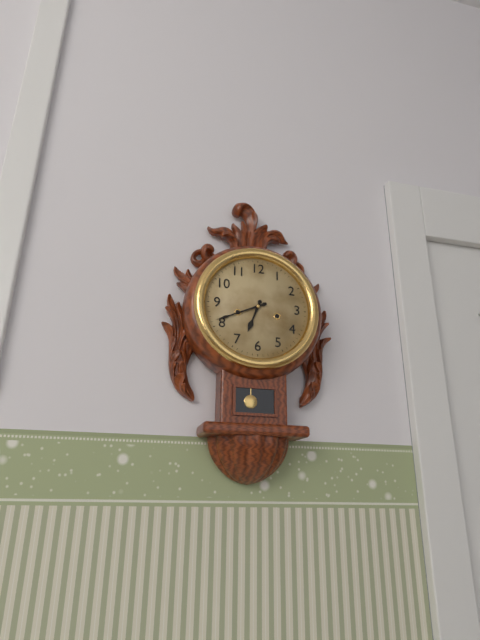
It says 6:41
